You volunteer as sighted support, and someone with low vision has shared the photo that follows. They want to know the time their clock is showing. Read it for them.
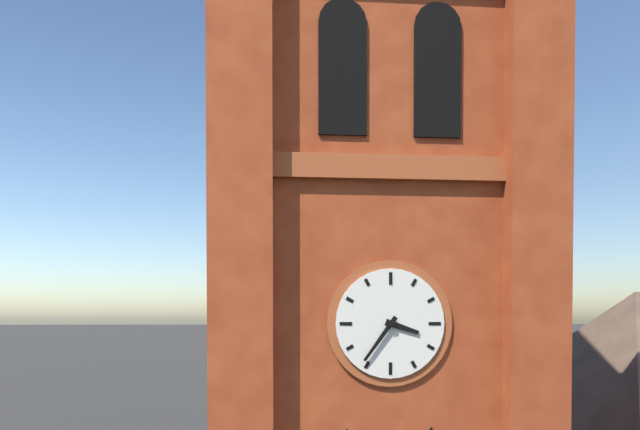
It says 3:36
